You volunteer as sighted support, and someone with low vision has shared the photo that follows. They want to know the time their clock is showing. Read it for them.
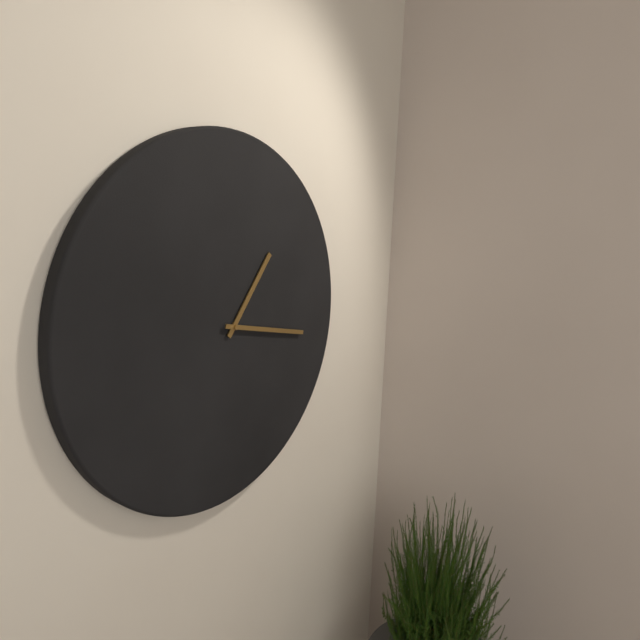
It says 1:17
